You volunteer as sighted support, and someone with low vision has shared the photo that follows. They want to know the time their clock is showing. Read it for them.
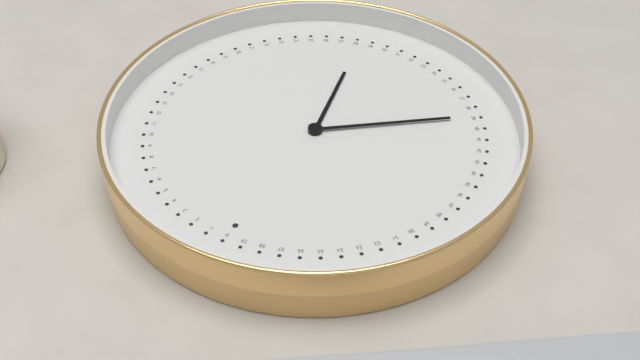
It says 5:39
